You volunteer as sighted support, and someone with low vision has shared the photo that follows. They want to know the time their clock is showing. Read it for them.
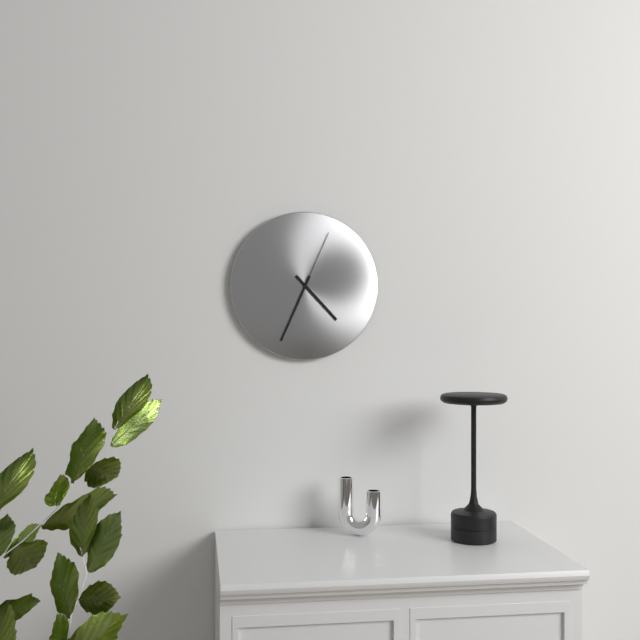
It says 4:34:04
